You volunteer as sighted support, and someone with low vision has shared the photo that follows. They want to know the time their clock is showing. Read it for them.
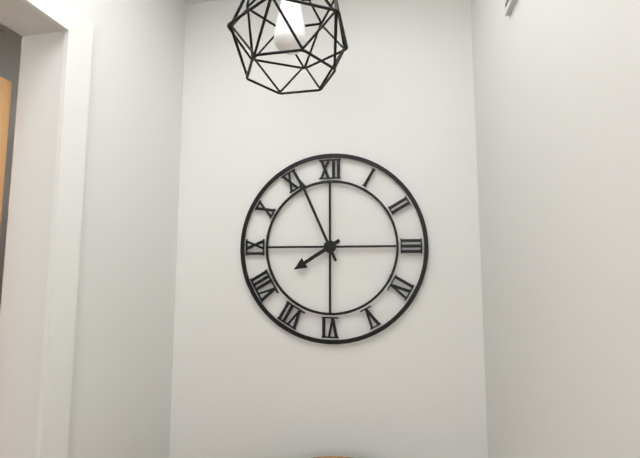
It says 7:56
